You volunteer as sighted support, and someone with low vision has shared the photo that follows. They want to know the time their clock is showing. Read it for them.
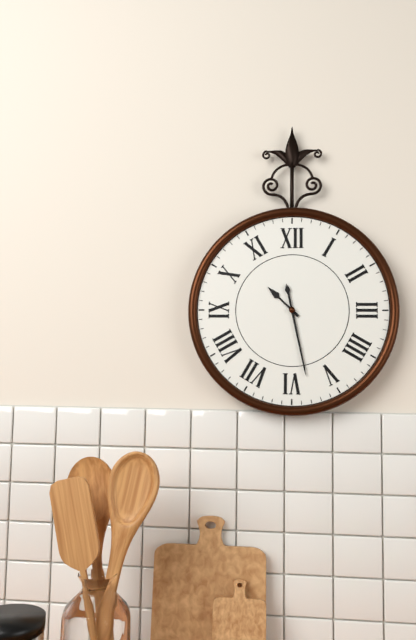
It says 10:28
